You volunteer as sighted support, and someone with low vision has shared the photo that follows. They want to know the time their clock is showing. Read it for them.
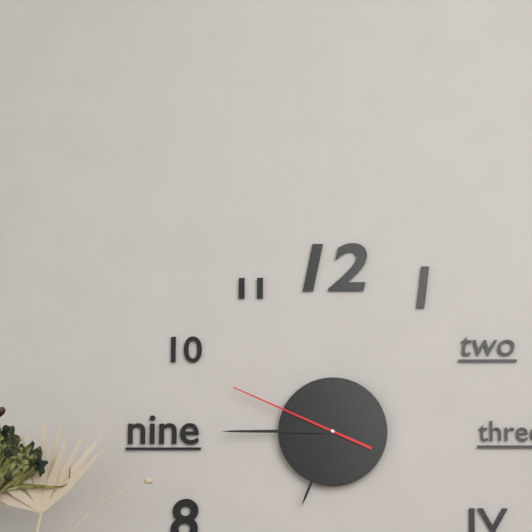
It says 6:45:49
